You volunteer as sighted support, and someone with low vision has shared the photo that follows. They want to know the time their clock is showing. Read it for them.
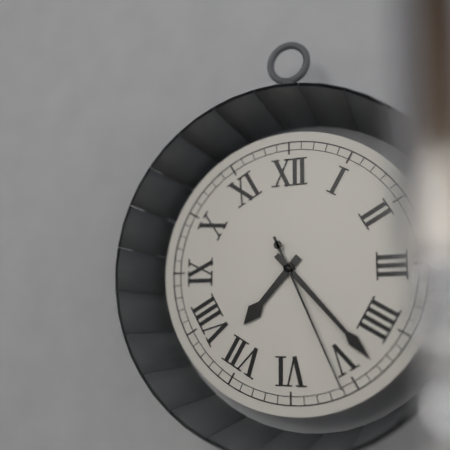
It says 7:23:26
